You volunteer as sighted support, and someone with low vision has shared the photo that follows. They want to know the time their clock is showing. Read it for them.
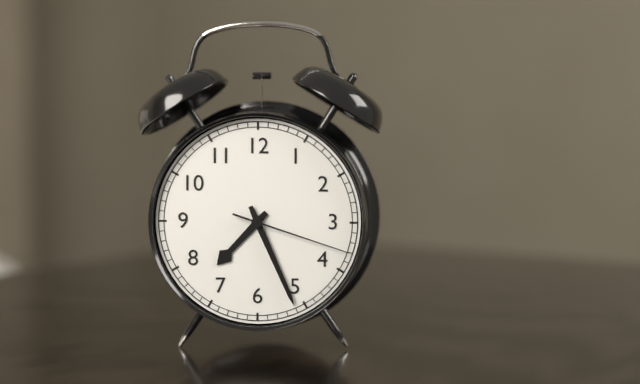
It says 7:26:18
